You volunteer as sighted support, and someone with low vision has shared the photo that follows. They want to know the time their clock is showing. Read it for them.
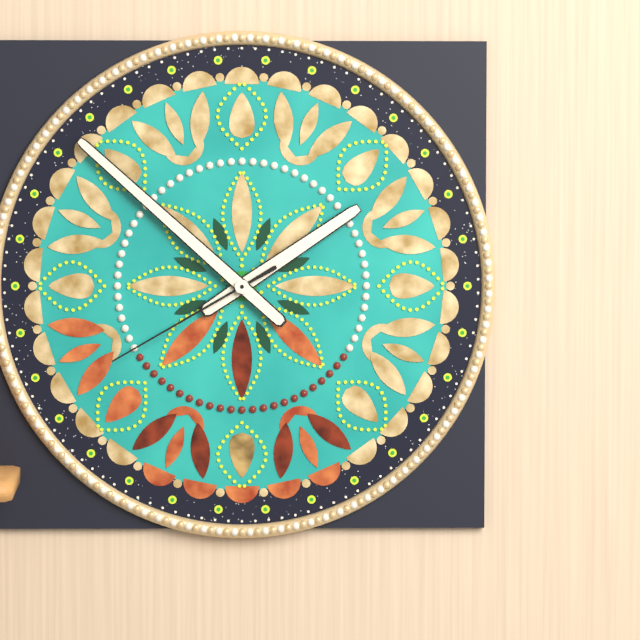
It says 1:52:40
